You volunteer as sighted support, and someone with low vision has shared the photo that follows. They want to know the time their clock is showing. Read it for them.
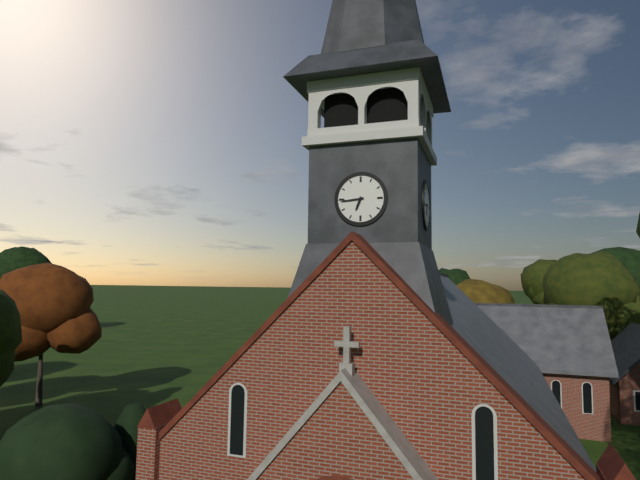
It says 6:44
